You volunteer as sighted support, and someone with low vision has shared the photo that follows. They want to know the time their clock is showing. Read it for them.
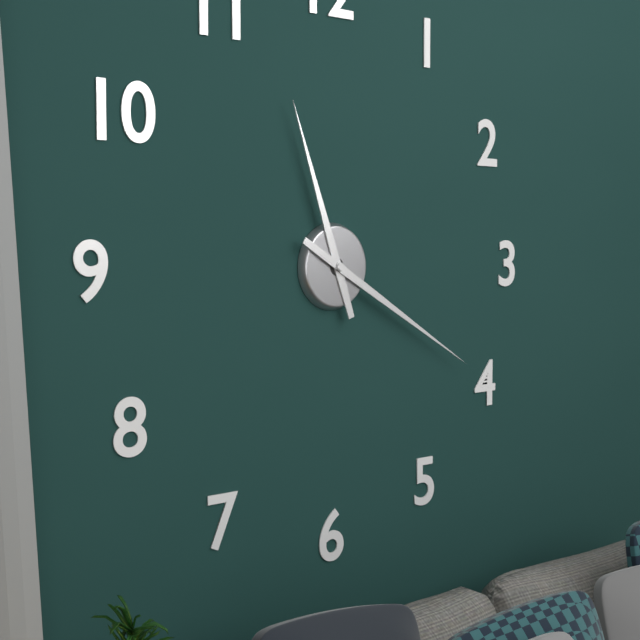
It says 11:20
